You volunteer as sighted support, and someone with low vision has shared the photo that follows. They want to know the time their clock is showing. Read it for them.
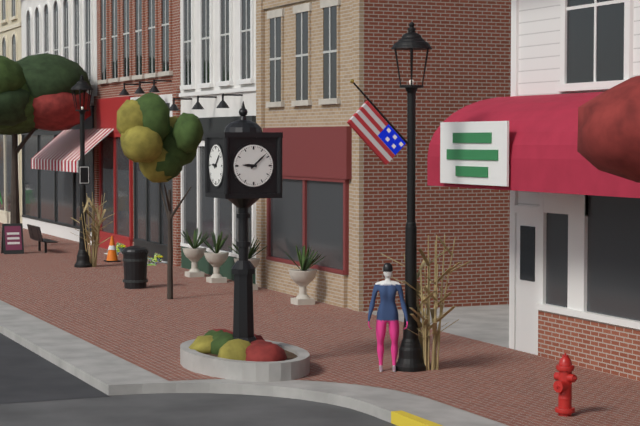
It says 9:08
